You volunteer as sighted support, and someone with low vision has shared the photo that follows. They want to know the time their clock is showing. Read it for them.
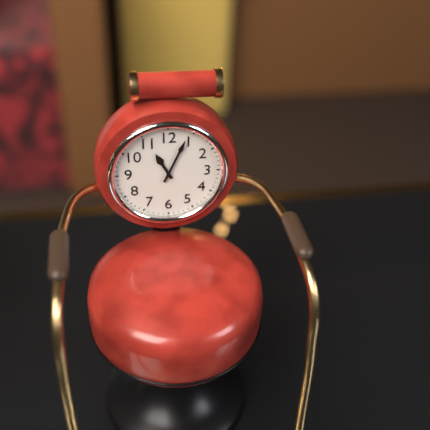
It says 11:04
